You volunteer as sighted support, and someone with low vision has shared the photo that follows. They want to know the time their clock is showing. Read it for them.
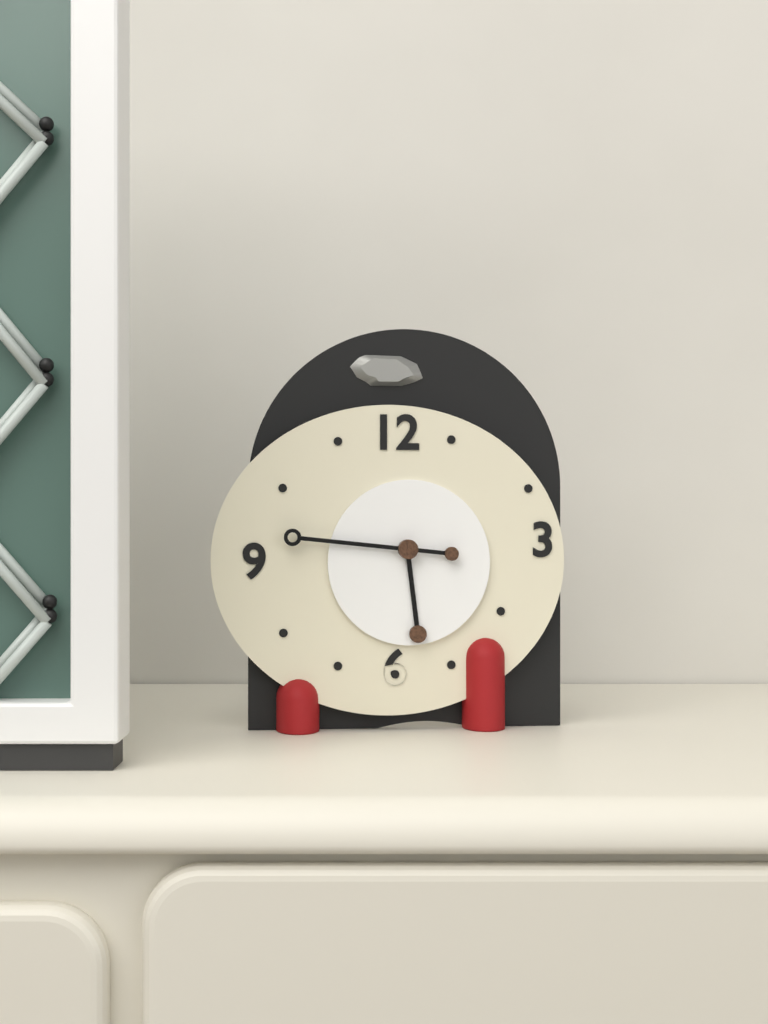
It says 5:46
